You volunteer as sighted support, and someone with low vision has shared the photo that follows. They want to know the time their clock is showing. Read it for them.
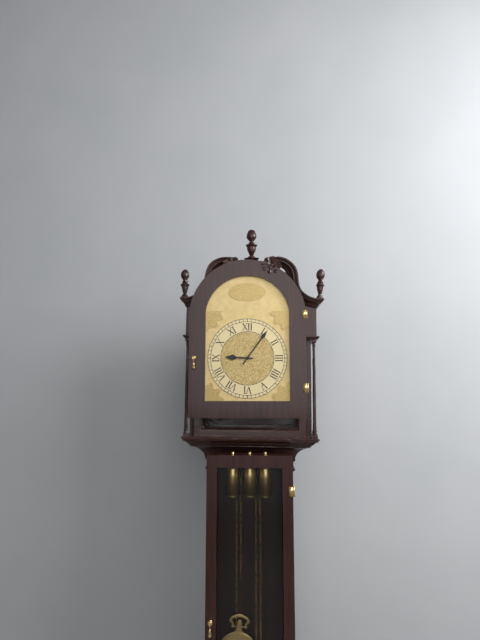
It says 9:06
